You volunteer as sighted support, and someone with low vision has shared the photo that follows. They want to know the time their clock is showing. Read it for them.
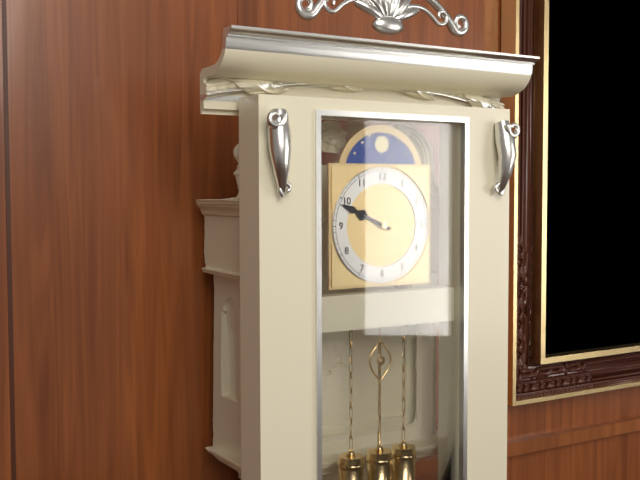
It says 9:49
